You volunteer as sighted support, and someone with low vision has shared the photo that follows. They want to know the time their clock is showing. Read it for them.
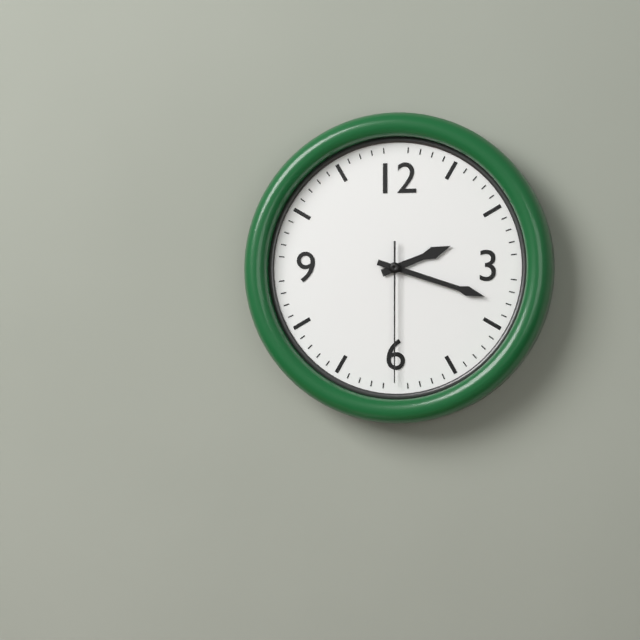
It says 2:18:30
